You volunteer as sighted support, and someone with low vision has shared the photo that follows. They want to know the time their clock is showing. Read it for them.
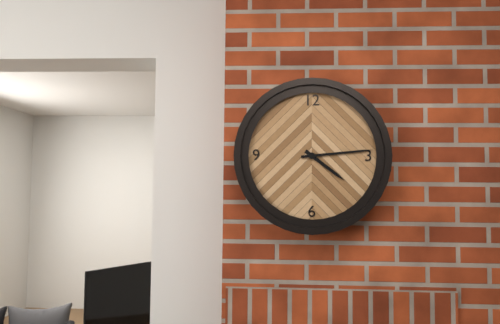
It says 4:14
